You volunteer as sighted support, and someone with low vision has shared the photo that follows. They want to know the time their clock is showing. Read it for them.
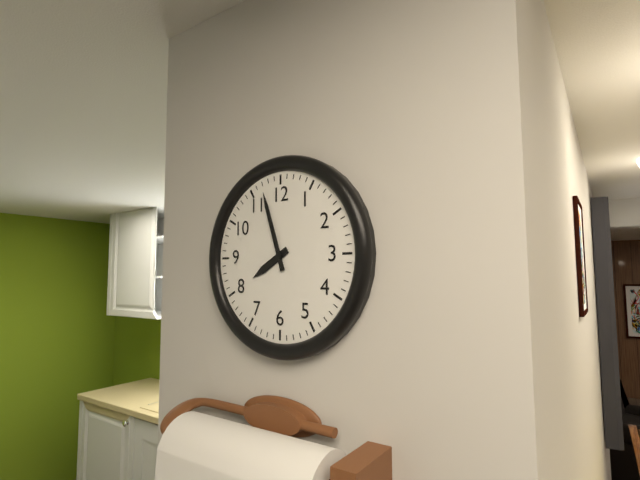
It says 7:57
